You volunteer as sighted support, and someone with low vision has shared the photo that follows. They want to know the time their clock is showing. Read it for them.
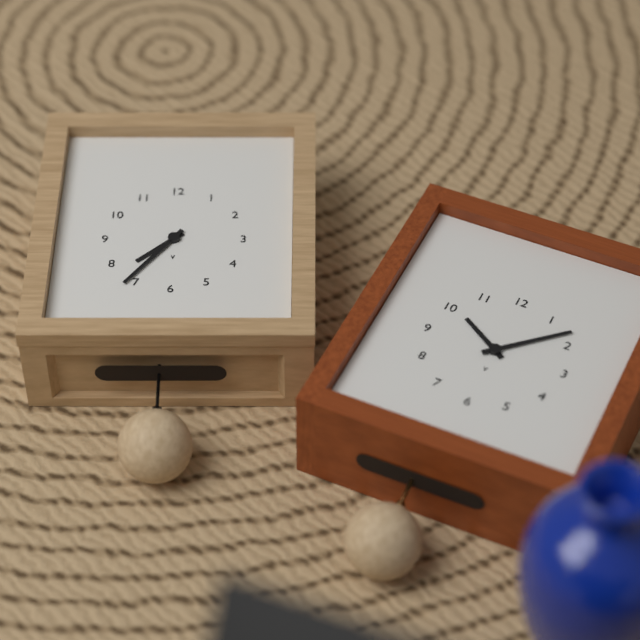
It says 7:36
